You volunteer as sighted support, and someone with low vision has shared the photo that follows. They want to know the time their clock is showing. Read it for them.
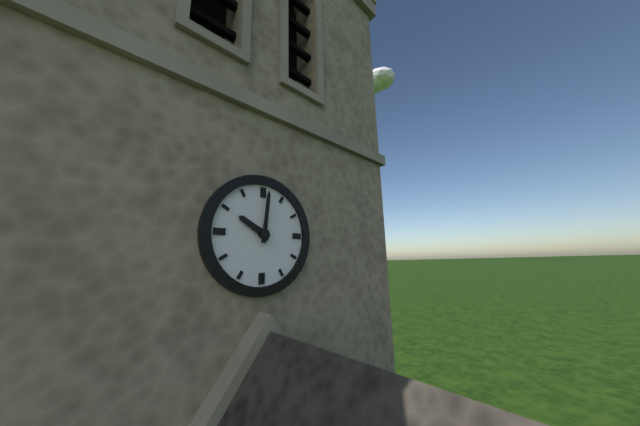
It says 10:01
